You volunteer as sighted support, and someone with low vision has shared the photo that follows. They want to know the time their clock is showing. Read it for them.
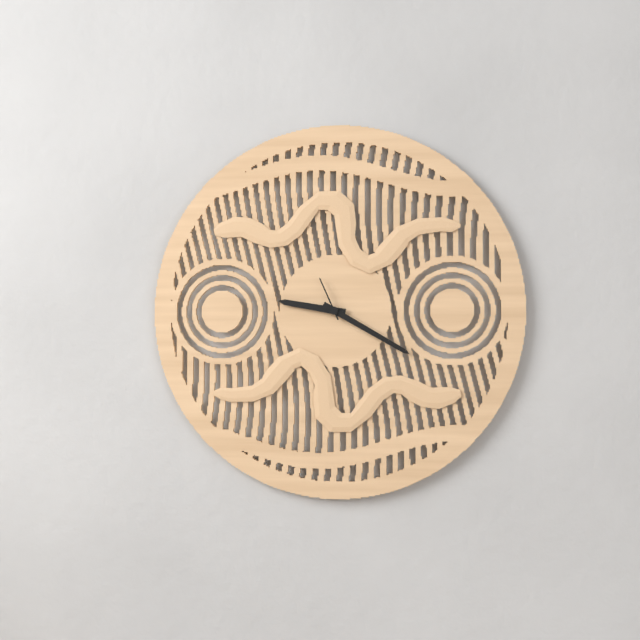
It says 9:20
